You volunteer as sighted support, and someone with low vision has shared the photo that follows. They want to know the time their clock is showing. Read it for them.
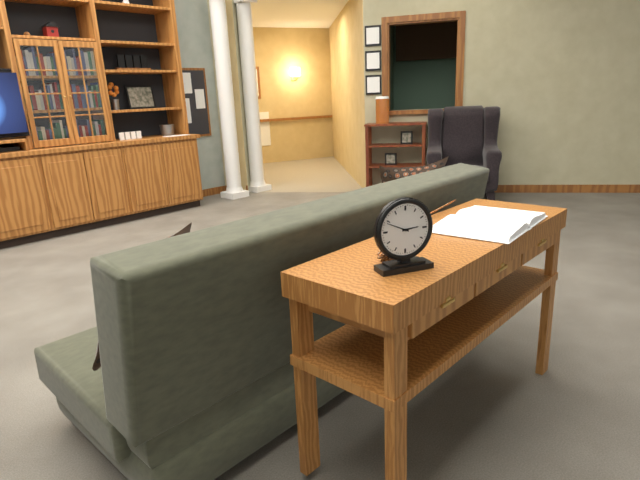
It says 2:49
